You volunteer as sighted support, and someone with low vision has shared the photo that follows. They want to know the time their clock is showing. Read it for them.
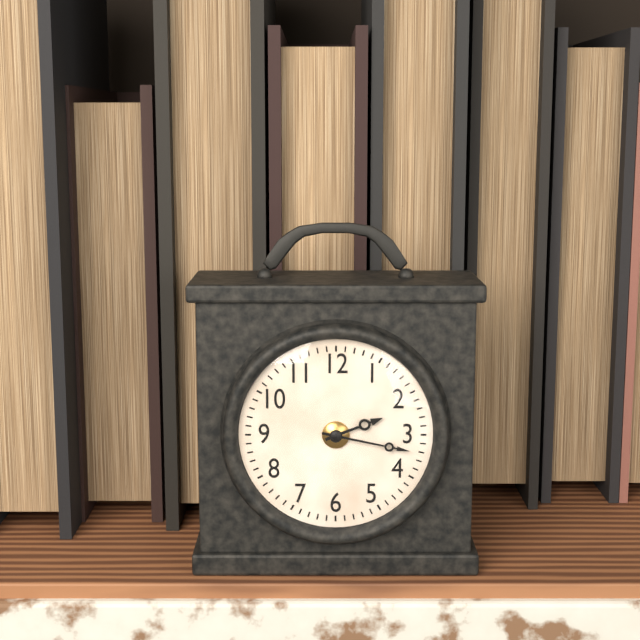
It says 2:17
